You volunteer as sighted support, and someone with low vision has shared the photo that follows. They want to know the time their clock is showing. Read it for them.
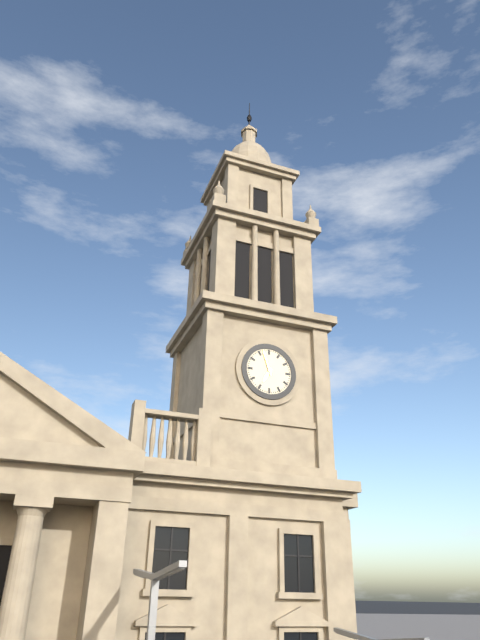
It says 6:57
